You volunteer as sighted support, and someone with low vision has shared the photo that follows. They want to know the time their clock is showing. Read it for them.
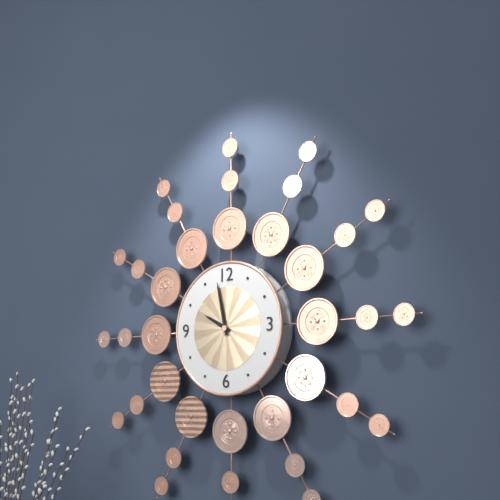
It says 9:58
